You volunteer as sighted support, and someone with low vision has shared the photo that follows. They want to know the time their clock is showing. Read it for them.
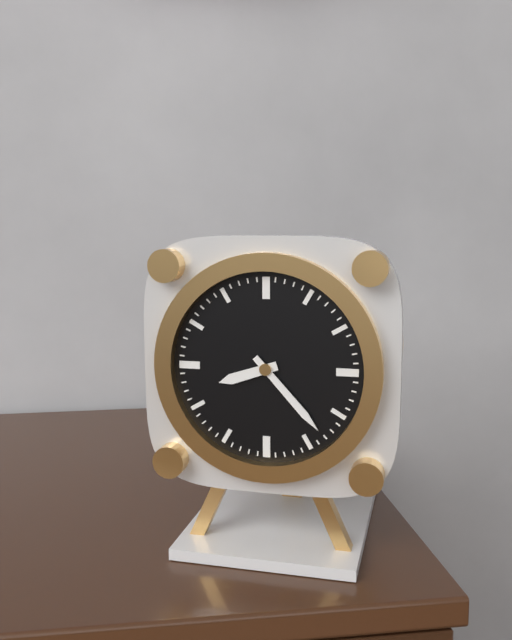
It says 8:23
